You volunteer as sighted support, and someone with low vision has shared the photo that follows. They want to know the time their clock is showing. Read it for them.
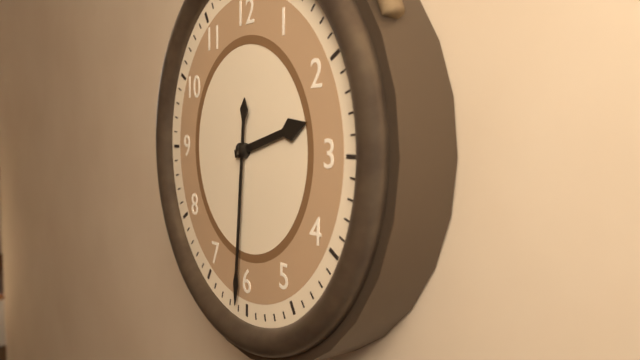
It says 2:31
